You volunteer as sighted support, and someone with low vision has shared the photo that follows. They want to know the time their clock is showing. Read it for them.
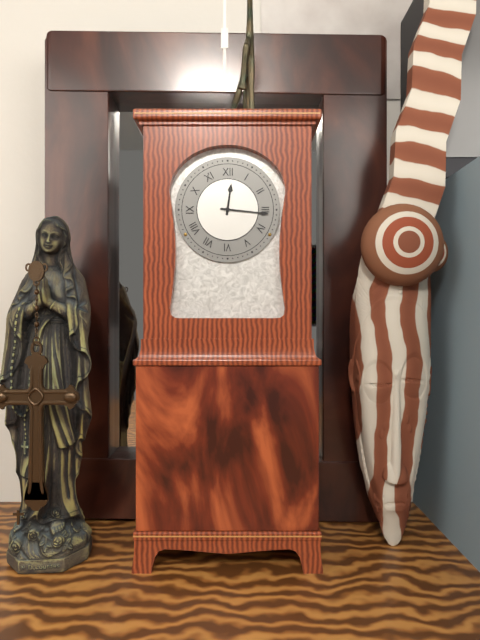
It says 12:16
